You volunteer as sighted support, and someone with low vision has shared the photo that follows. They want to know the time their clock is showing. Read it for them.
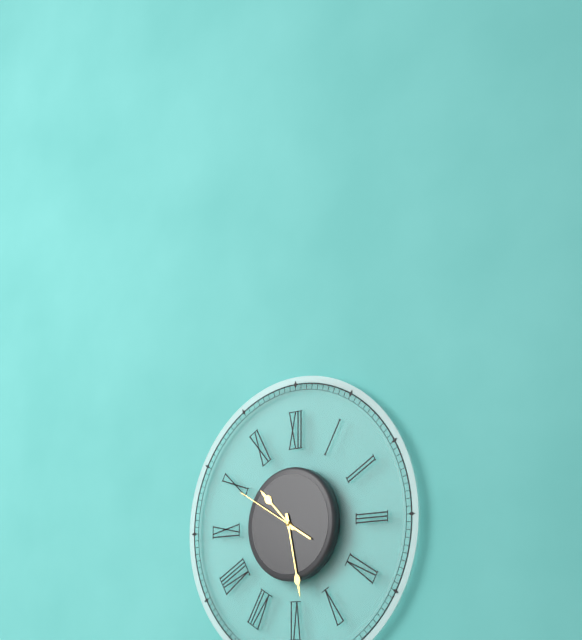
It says 10:28:50
